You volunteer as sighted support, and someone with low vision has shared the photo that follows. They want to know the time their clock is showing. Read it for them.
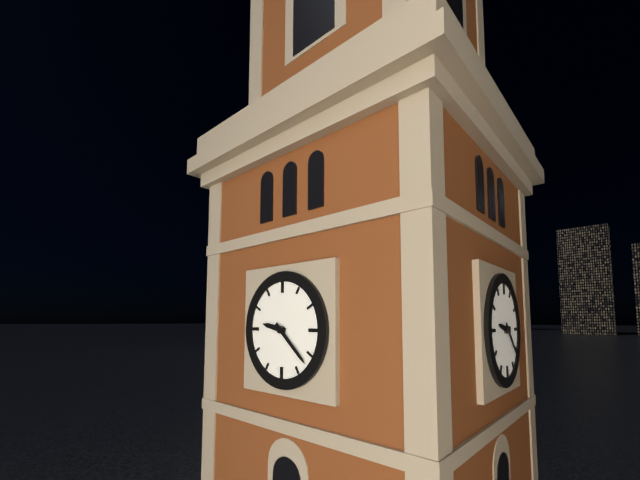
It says 9:22
